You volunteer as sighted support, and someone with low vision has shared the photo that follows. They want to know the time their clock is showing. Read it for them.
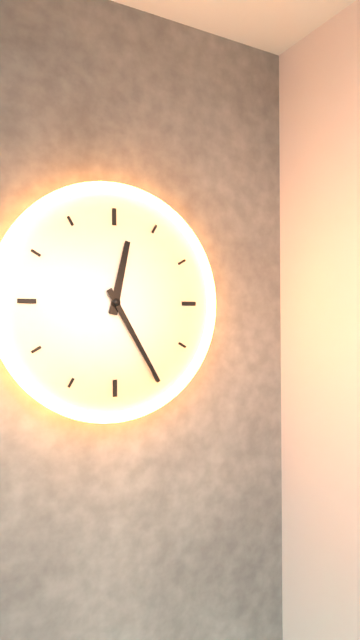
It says 12:25
